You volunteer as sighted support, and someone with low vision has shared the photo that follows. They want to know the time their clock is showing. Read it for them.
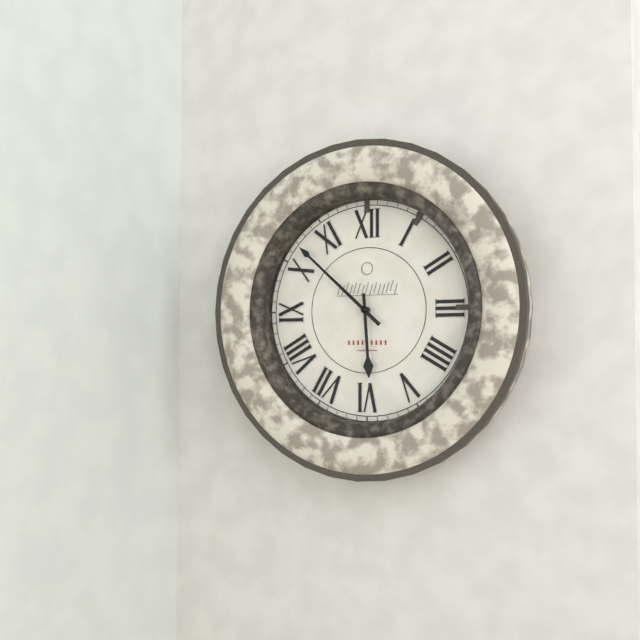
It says 5:52
